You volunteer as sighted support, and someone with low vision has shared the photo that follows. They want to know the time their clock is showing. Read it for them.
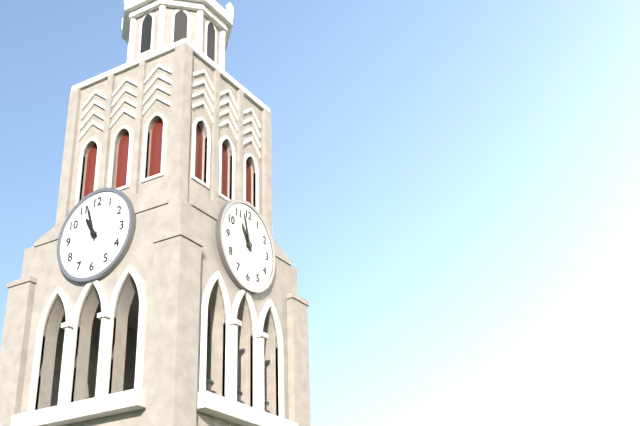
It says 10:57
